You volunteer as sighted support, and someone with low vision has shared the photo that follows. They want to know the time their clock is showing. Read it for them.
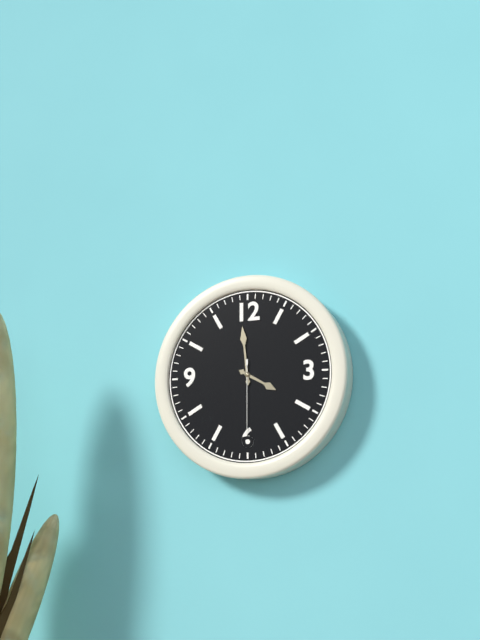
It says 3:59:30
